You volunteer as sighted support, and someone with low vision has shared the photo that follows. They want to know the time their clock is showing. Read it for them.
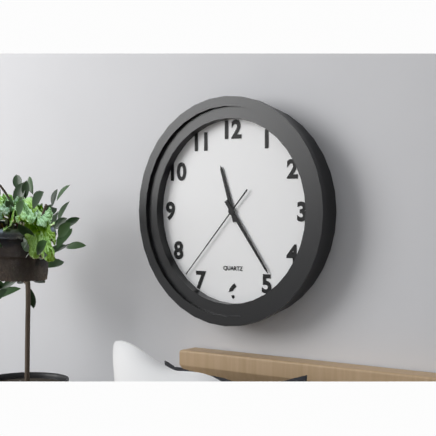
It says 11:24:37
